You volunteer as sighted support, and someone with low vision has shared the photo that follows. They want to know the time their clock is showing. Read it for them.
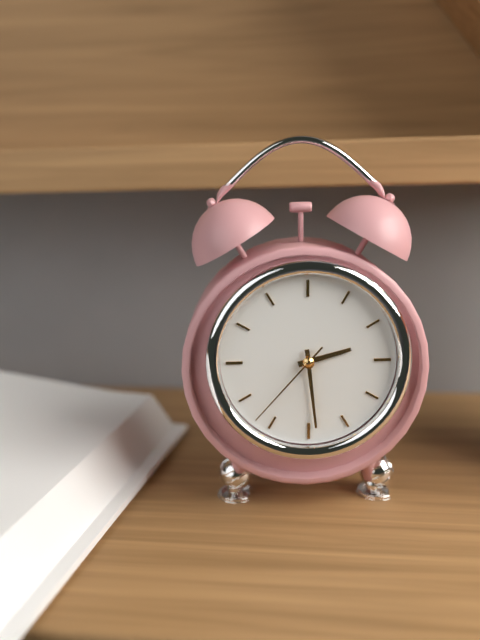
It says 2:29:37
